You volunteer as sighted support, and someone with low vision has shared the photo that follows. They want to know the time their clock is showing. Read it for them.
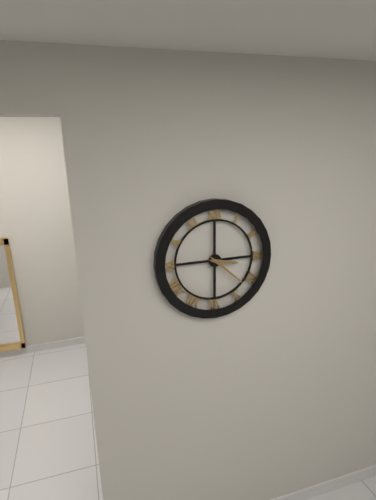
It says 3:22
